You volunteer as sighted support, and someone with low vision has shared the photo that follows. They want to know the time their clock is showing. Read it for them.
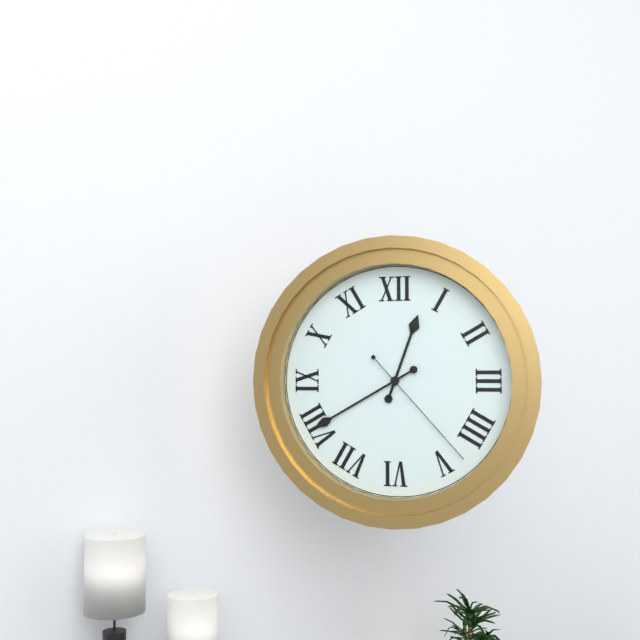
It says 12:40:23
